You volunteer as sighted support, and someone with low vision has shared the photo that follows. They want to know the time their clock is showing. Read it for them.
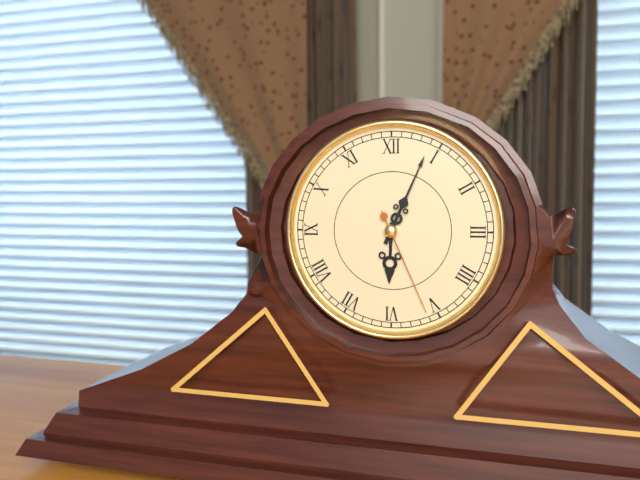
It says 6:04:26
